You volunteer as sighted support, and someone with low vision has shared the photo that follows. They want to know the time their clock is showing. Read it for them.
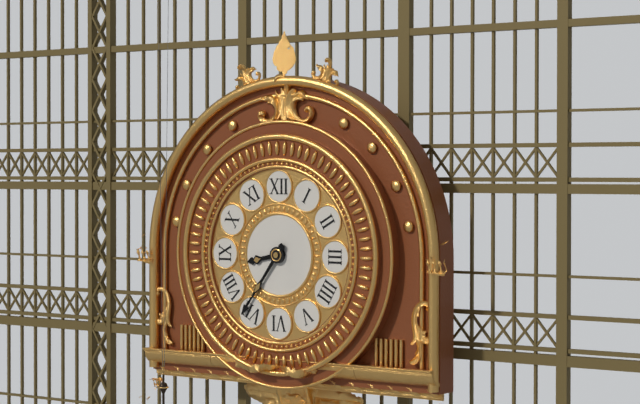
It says 8:36
